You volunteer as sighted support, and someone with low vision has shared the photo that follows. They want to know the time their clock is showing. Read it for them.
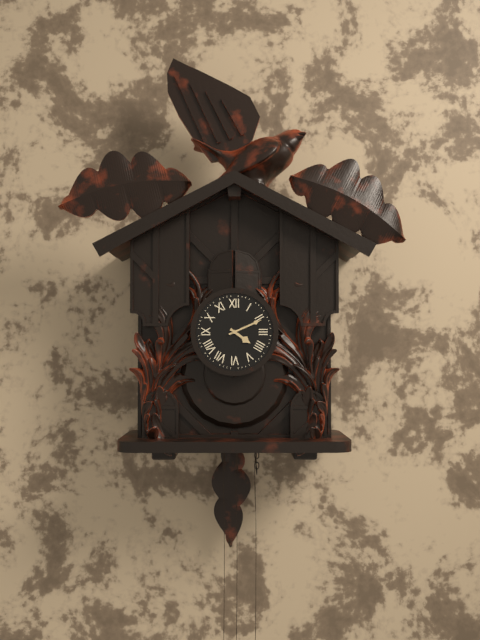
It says 4:11
